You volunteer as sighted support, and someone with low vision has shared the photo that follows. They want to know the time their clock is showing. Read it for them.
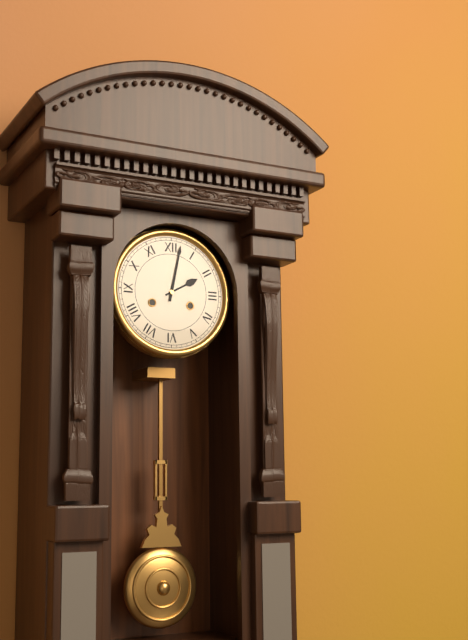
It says 2:02
